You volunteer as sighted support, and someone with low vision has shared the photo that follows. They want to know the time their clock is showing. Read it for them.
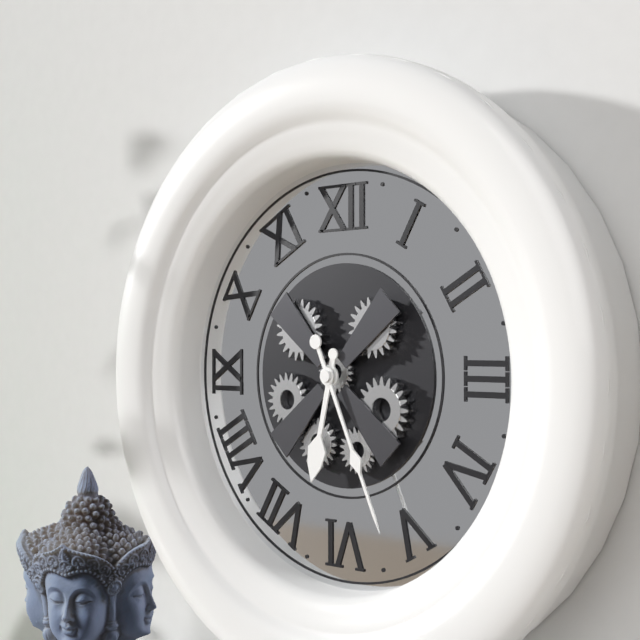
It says 6:26
